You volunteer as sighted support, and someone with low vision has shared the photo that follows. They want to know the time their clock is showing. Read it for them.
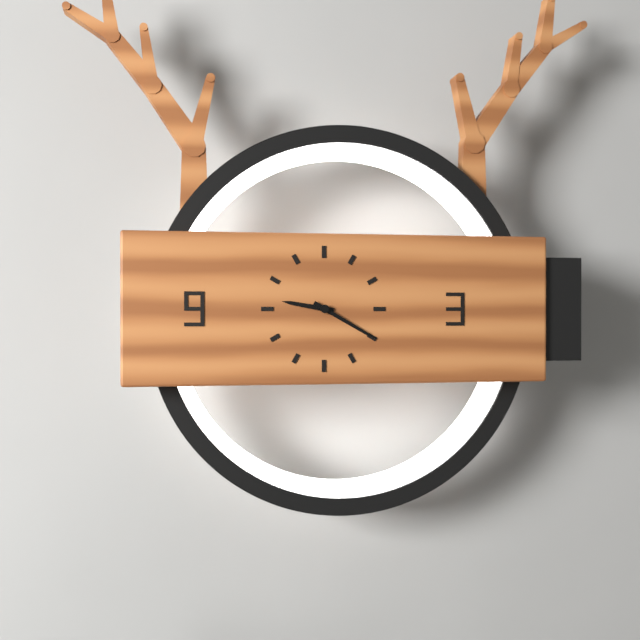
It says 9:20
